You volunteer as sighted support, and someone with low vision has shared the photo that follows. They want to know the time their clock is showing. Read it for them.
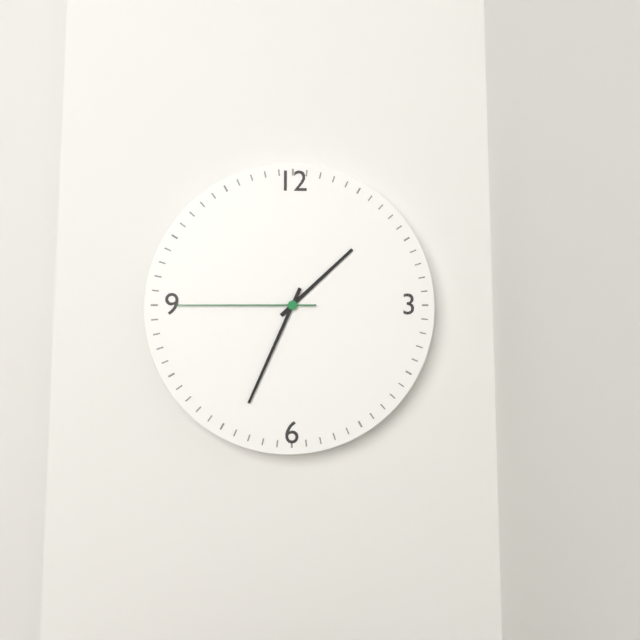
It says 1:34:45
